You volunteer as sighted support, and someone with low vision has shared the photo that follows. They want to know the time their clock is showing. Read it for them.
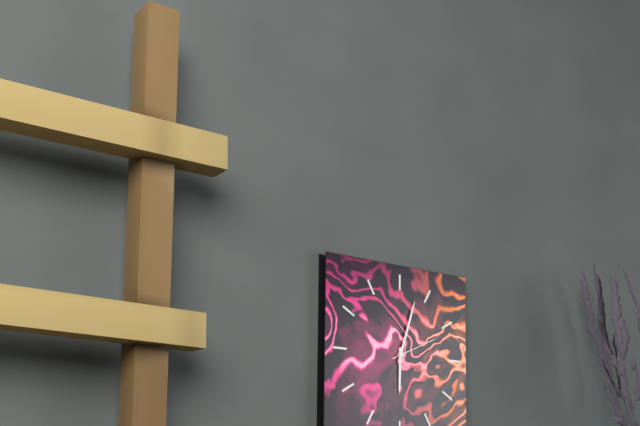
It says 6:03:11
